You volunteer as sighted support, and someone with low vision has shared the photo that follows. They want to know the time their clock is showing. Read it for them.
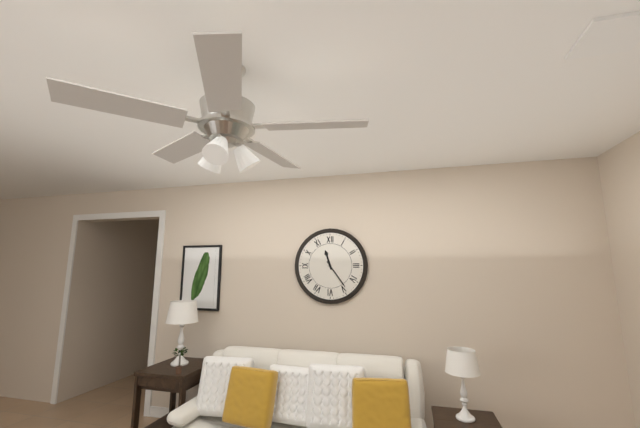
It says 11:24
